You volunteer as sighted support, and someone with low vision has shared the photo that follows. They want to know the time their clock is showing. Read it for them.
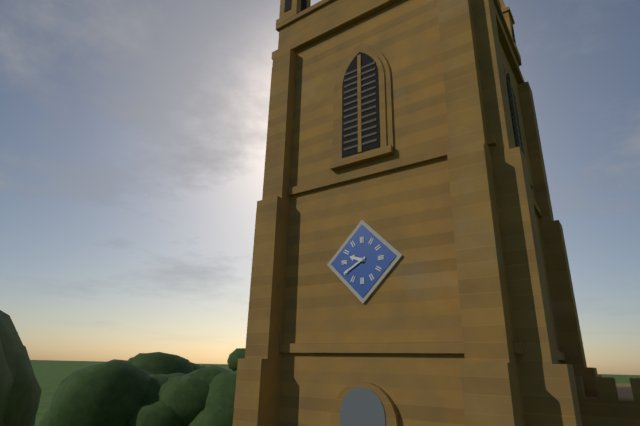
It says 9:40
